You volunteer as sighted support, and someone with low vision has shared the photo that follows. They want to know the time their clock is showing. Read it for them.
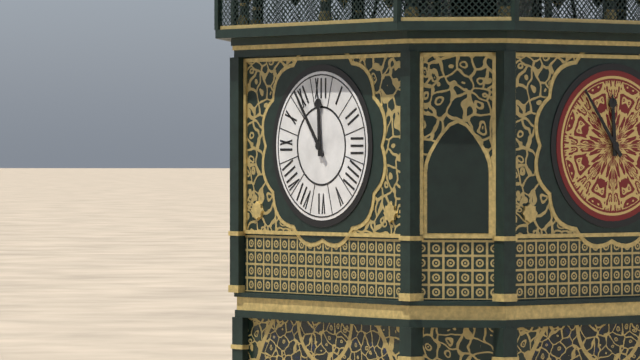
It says 11:54
